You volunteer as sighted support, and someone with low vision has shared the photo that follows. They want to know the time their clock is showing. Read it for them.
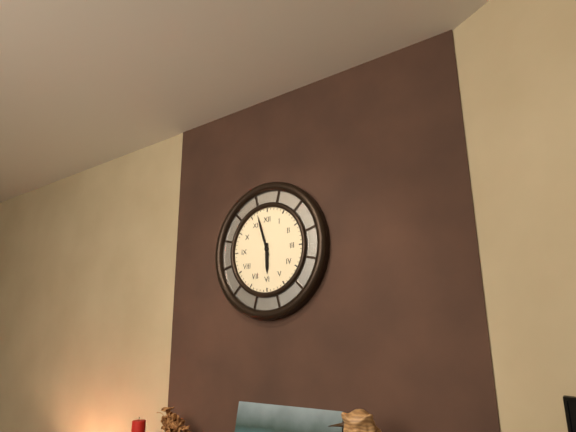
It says 5:57
